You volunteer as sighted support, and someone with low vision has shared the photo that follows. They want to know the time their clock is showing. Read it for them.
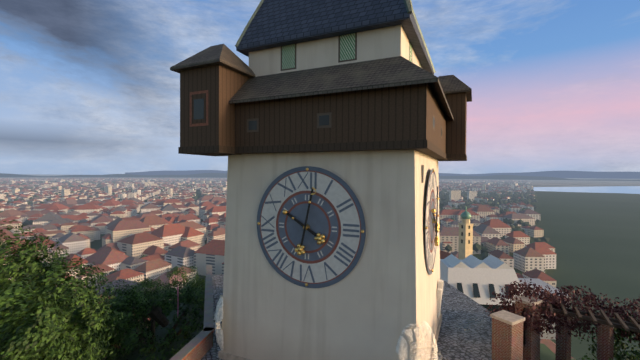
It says 10:02
